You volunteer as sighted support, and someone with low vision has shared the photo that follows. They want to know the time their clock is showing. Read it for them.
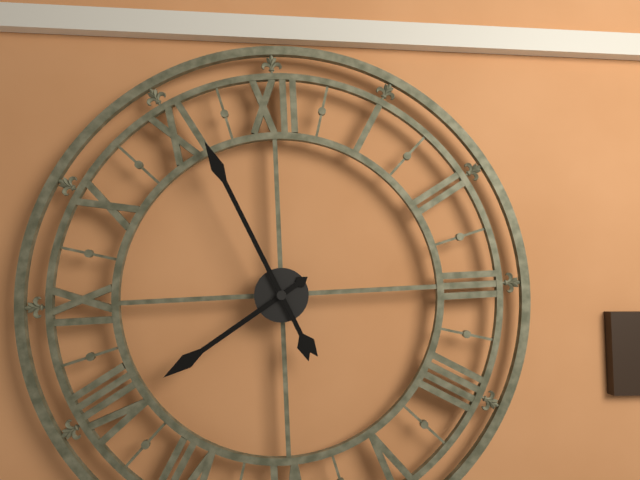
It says 7:56
